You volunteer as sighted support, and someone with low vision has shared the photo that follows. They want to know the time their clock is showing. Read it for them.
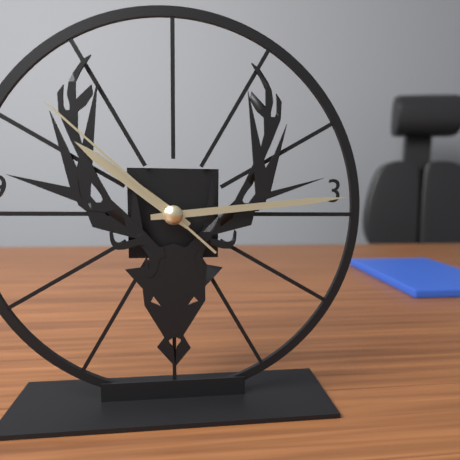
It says 10:14:52
